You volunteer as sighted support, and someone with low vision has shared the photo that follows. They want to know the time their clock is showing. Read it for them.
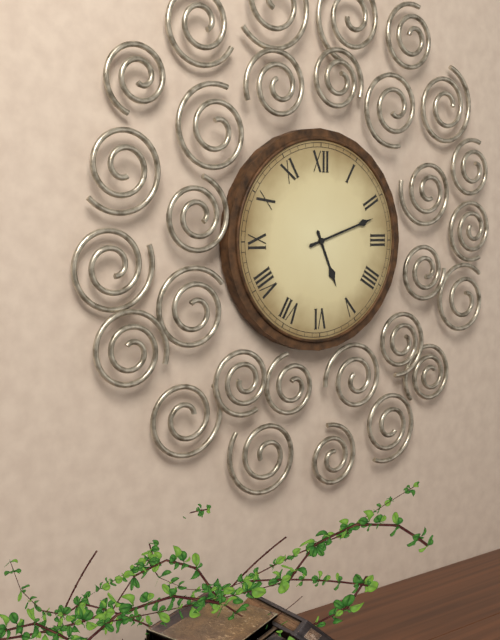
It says 5:12
